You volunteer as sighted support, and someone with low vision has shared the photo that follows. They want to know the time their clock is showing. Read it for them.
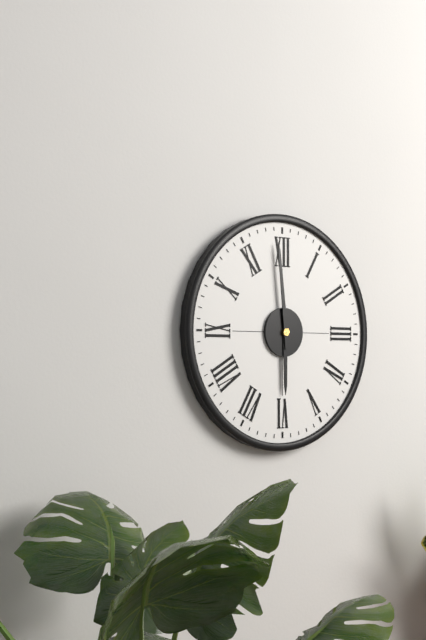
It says 5:59
